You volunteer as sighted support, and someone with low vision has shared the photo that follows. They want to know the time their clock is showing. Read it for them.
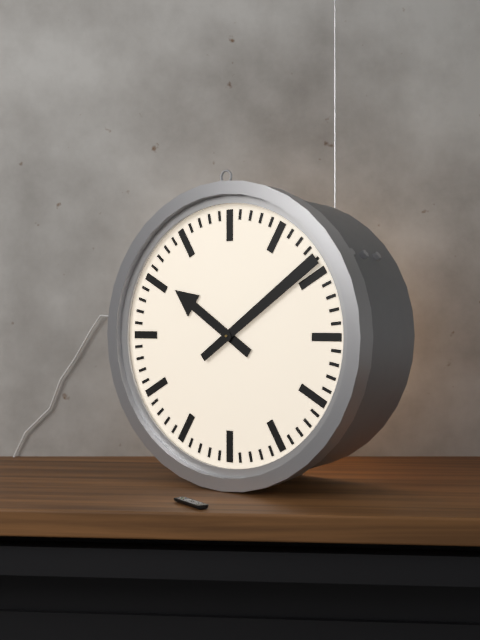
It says 10:09
